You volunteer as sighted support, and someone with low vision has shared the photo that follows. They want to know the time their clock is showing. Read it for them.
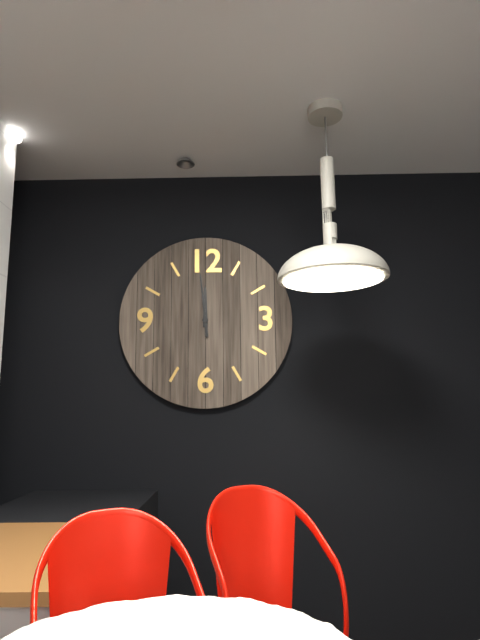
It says 11:59
